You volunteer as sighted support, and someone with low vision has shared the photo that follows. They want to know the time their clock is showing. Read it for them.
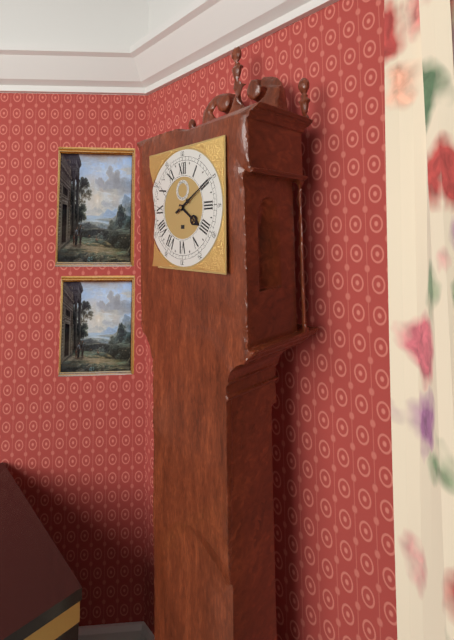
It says 4:10
